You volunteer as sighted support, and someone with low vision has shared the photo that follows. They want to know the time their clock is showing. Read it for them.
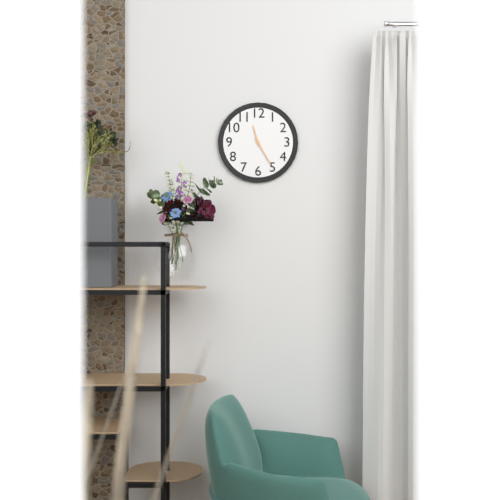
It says 11:25
